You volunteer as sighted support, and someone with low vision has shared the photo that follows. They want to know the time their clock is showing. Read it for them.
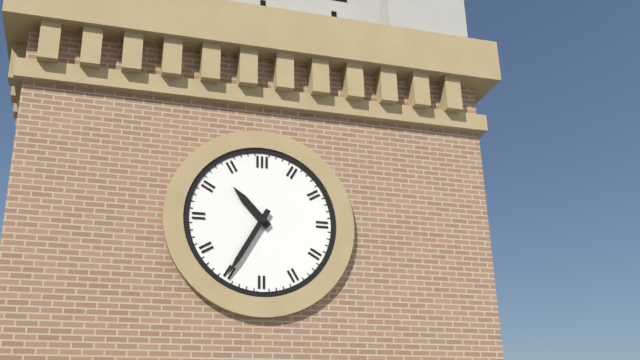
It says 10:35
